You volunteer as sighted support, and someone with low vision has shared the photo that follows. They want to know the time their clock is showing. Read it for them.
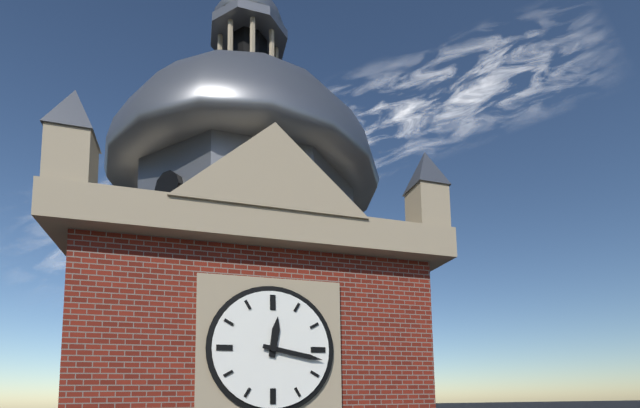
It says 12:17
